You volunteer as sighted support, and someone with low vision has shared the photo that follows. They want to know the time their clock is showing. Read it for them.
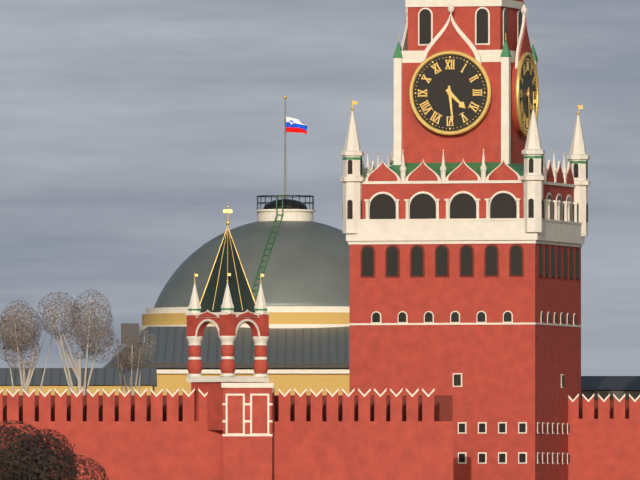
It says 4:29
